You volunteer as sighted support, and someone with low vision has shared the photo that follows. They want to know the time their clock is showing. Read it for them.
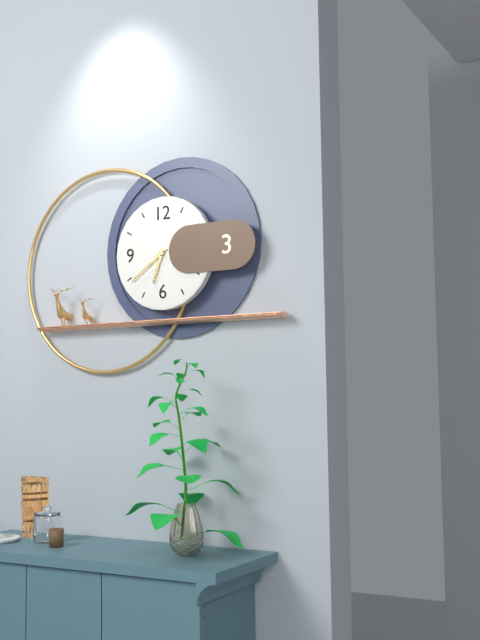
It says 6:39
